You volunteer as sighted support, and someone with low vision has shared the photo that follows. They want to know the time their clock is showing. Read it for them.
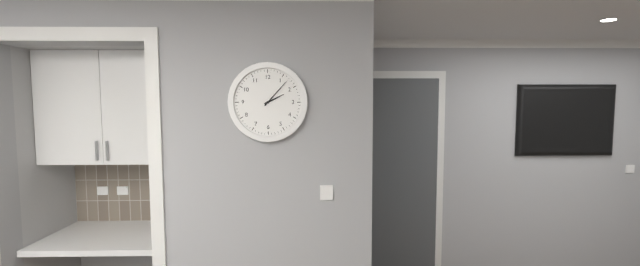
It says 2:07
